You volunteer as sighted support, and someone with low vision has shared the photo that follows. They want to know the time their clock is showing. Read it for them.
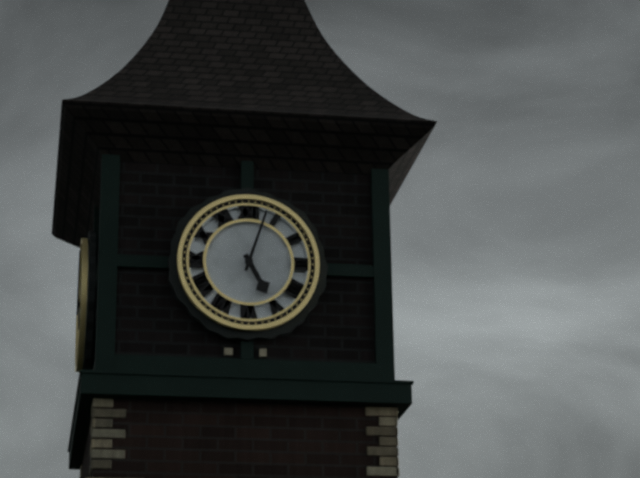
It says 5:03
